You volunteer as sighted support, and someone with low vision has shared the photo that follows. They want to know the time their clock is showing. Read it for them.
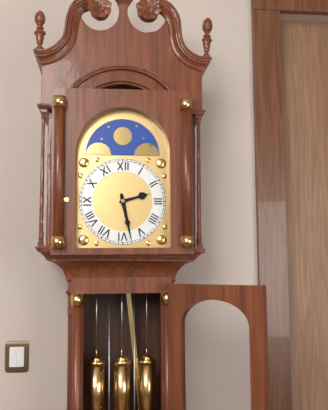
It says 2:28
